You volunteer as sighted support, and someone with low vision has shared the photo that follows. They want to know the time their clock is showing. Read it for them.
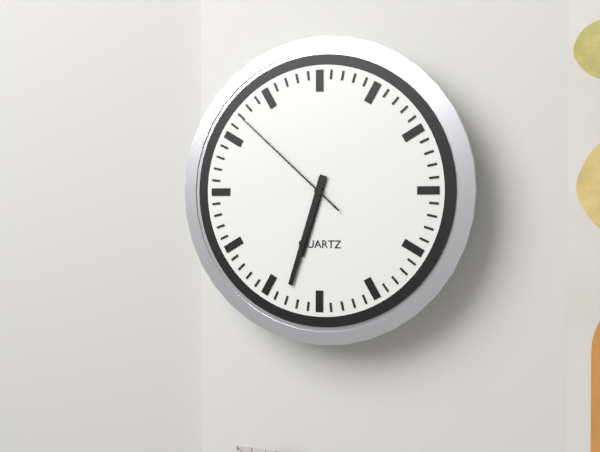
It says 6:33:52
